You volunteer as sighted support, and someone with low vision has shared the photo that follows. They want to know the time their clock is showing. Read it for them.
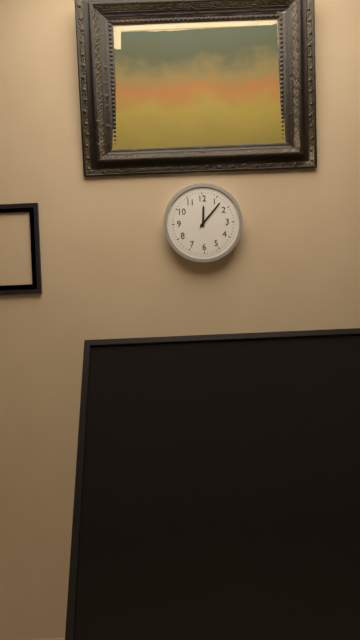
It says 12:07
